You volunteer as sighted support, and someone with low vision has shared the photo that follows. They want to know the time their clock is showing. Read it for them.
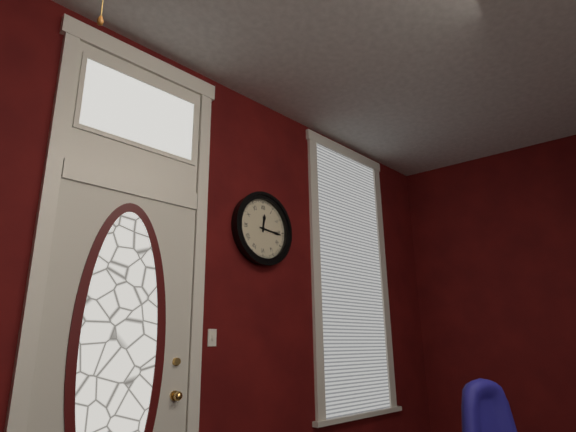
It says 12:16
